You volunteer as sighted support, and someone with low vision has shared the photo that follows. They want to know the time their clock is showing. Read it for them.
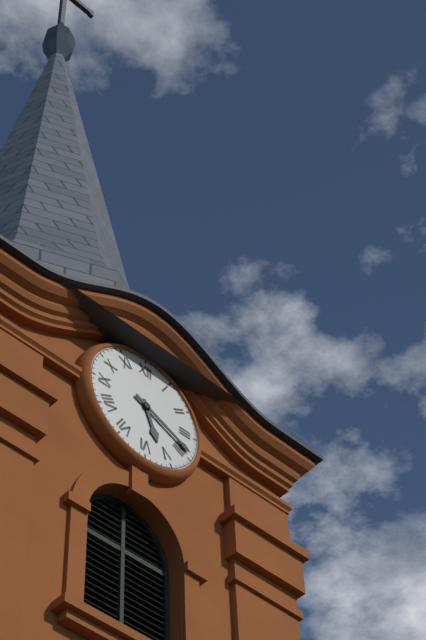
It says 5:19
